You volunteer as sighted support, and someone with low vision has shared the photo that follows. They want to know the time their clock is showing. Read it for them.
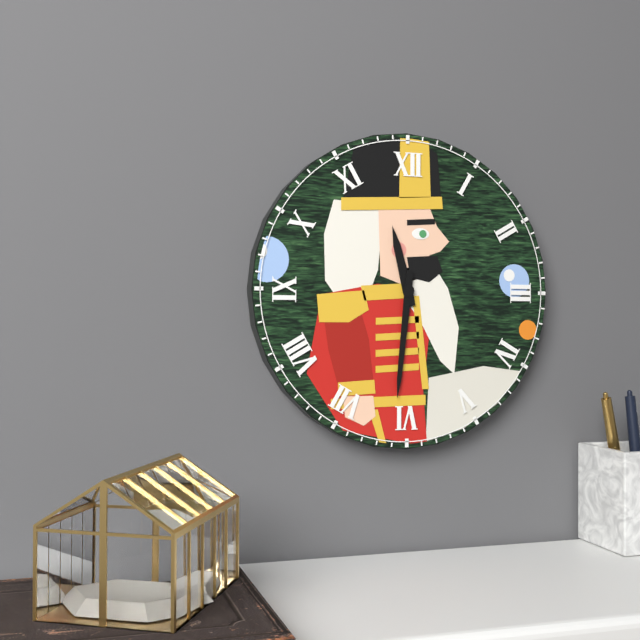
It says 11:31
